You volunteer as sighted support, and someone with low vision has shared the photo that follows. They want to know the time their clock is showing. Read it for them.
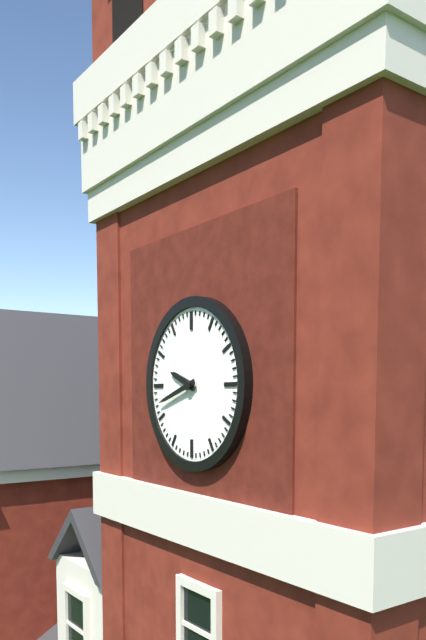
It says 9:42
